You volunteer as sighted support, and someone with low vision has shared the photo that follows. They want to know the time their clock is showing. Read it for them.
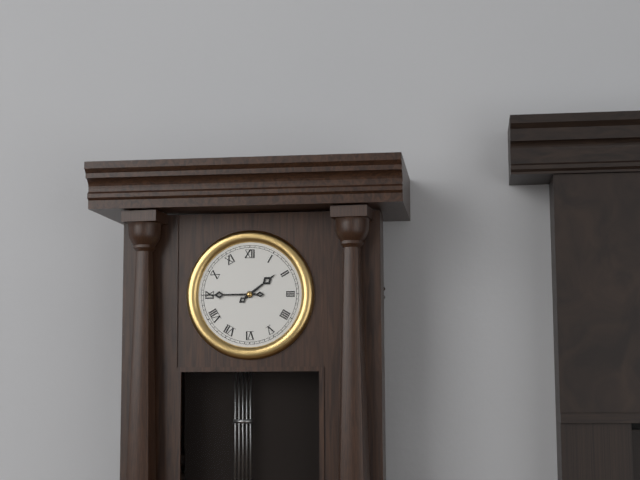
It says 1:45
